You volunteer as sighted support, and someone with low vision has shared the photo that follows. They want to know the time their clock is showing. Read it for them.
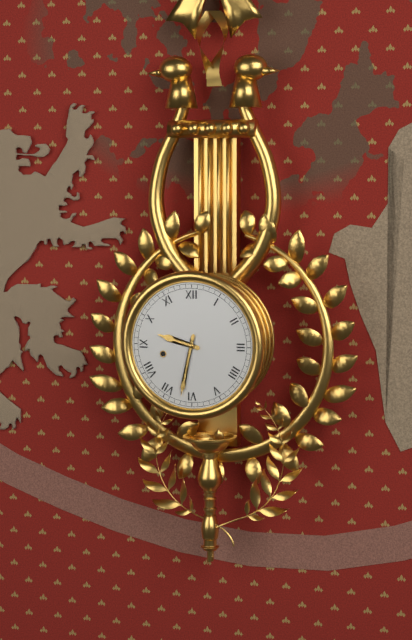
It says 9:32
